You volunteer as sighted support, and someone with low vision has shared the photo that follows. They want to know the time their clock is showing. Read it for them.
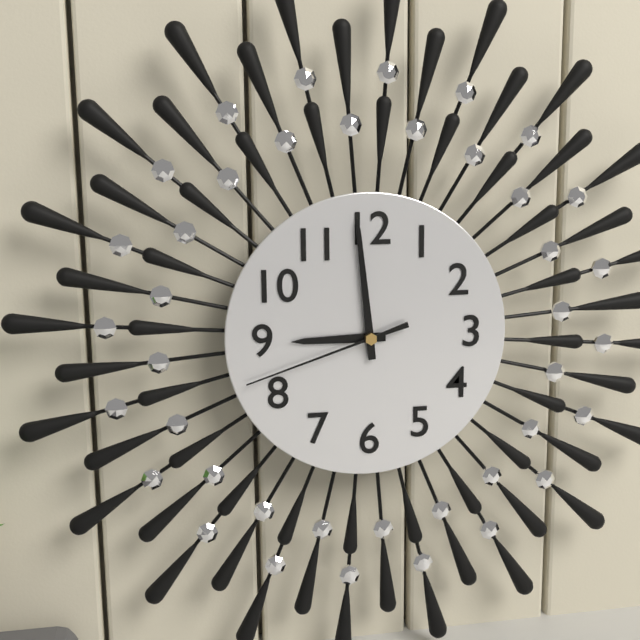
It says 8:59:42
